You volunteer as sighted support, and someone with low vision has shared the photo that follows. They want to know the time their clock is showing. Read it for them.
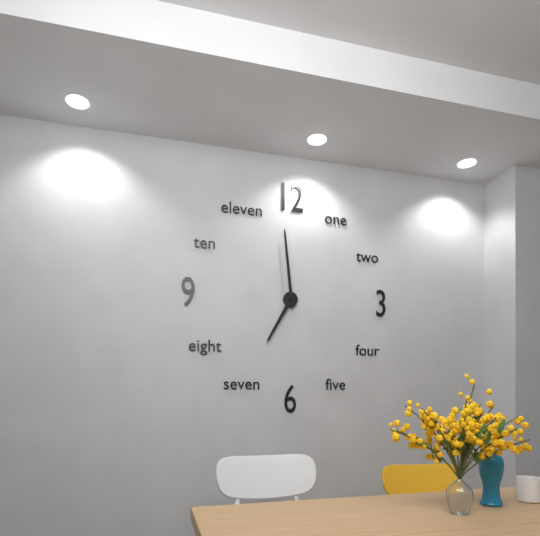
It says 6:59
